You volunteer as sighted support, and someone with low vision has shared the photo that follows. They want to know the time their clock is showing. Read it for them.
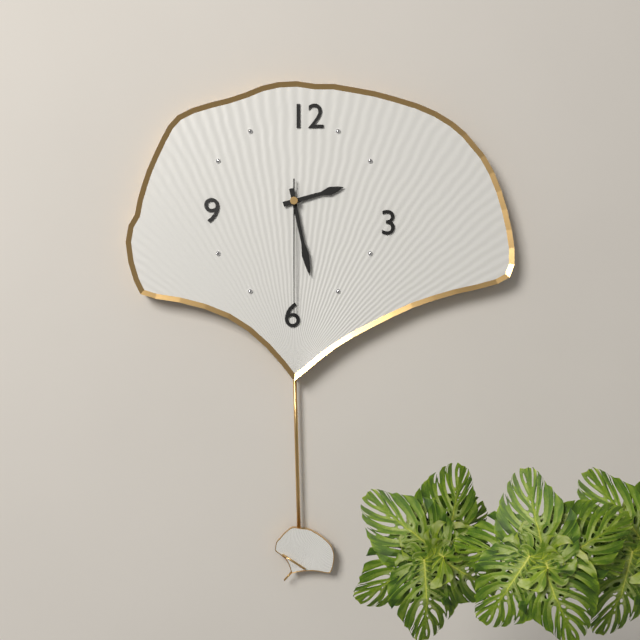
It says 2:28:30
